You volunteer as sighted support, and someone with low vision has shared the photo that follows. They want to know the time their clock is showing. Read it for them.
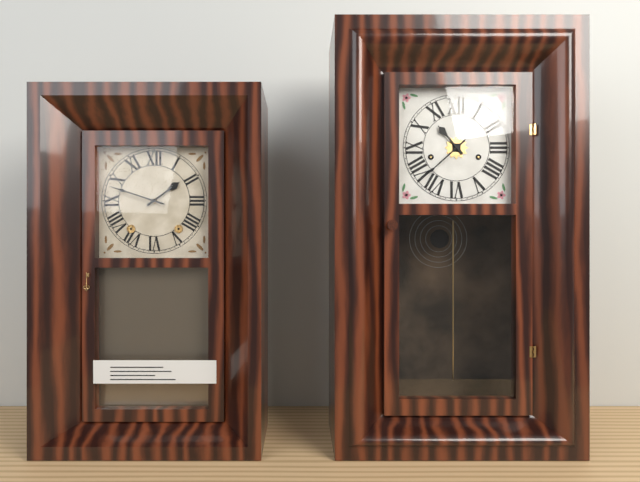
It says 1:48
